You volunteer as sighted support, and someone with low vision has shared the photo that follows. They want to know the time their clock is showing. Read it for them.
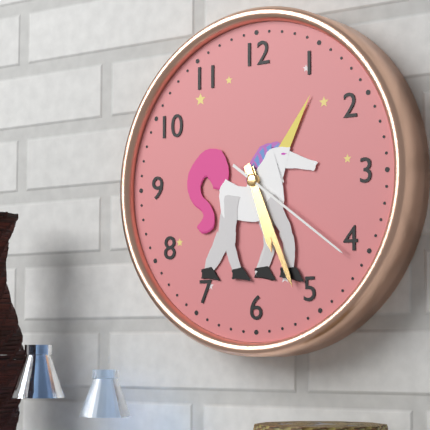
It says 5:26:21
